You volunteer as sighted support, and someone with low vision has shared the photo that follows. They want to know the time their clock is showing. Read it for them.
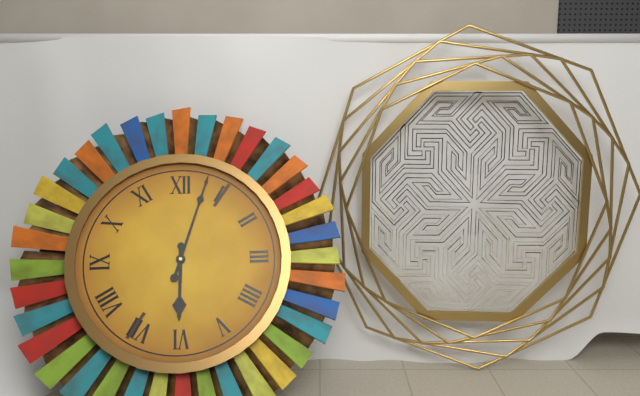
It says 6:03
